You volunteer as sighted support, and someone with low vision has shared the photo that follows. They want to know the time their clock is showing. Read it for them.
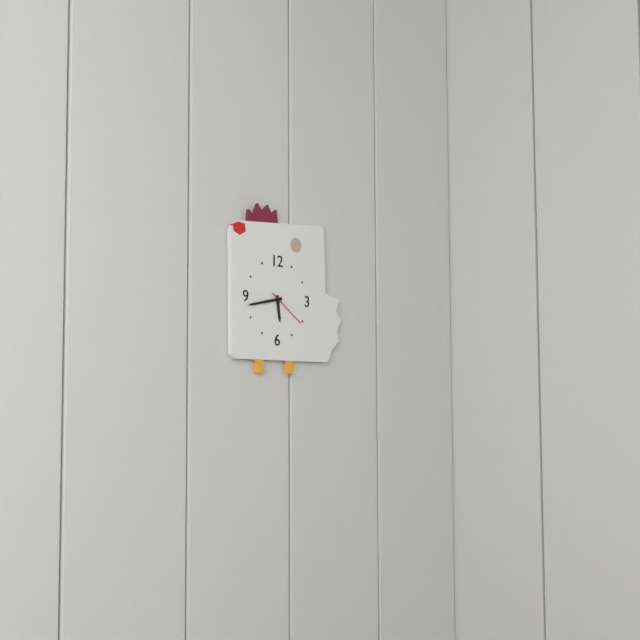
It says 5:43
